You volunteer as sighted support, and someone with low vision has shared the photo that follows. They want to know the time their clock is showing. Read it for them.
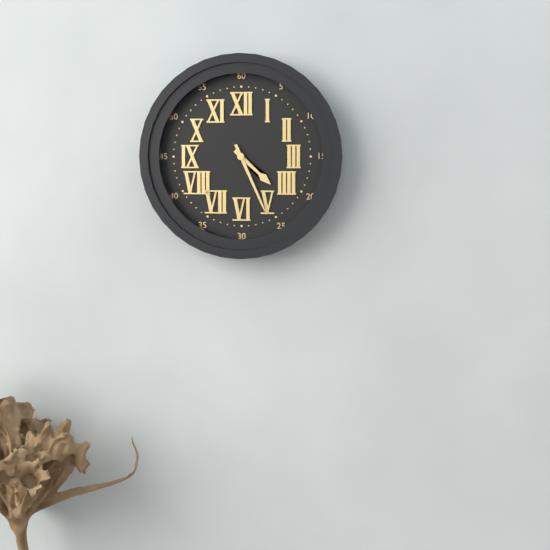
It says 4:26
